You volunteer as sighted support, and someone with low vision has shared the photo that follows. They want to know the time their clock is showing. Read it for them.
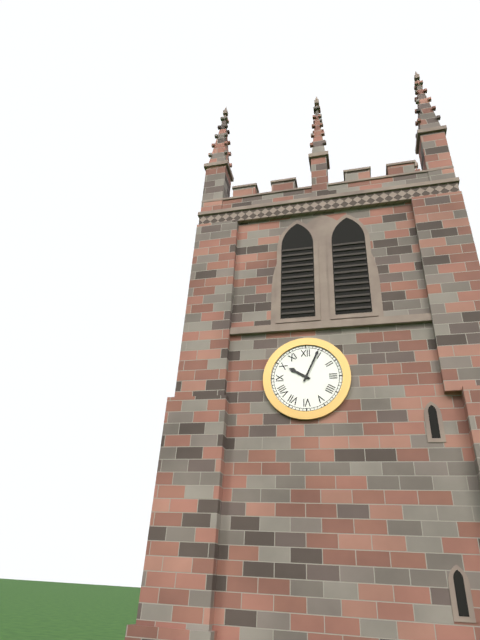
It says 10:04
